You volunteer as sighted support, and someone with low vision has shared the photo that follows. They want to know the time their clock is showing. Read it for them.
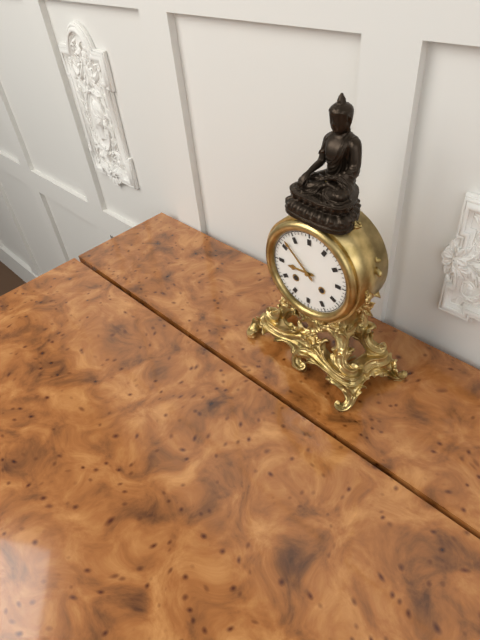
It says 8:52
